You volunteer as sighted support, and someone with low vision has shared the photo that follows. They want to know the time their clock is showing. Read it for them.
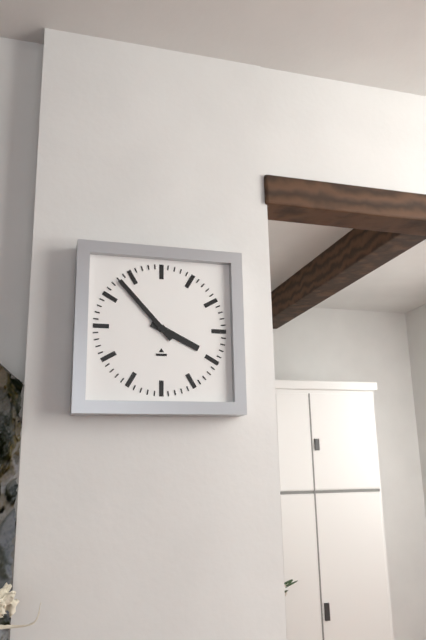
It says 3:53
